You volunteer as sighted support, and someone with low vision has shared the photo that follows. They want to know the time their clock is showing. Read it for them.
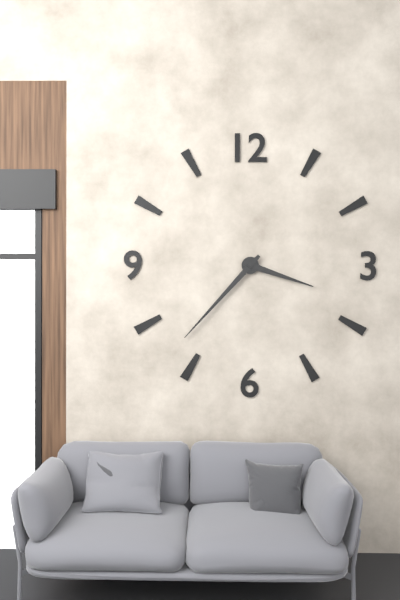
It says 3:37
